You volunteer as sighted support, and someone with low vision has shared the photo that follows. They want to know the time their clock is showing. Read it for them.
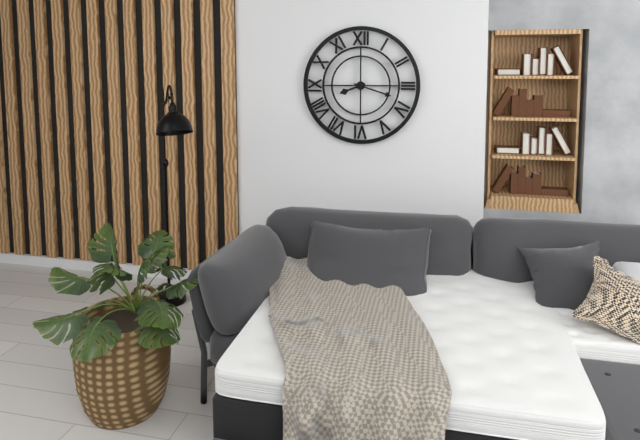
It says 8:18
